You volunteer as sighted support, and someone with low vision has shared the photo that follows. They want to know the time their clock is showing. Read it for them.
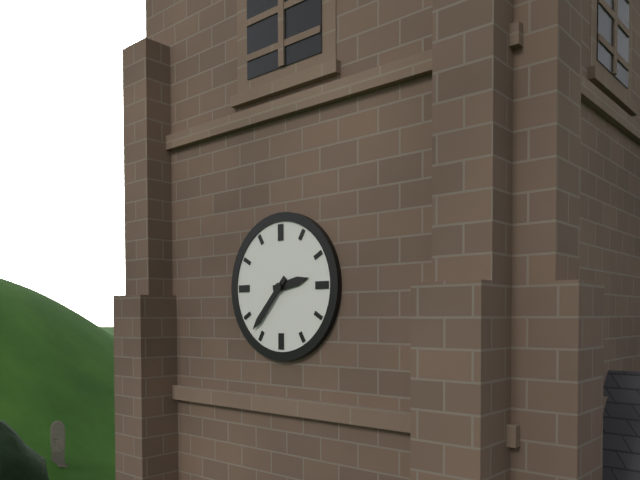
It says 2:37
